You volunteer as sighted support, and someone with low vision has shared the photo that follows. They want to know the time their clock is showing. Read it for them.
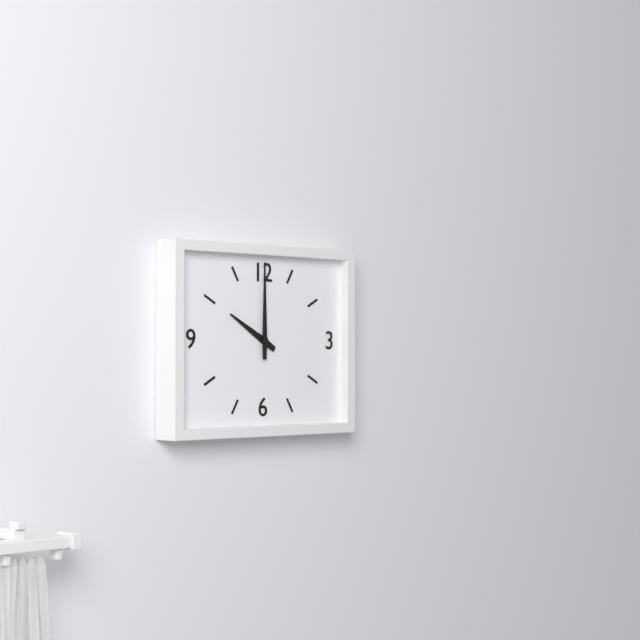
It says 10:00
